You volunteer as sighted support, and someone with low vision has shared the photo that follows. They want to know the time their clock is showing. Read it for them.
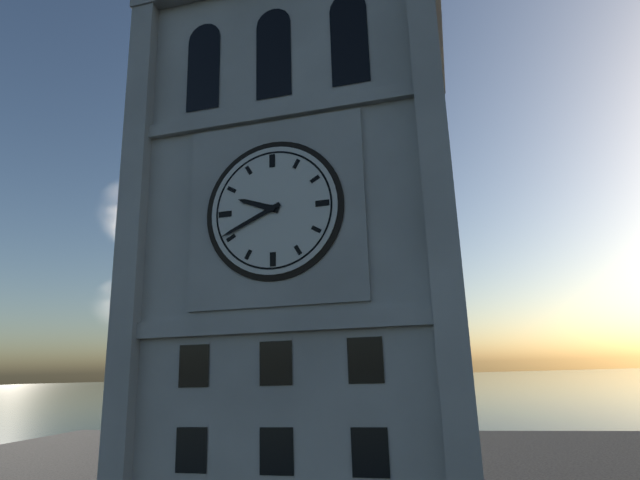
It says 9:41
